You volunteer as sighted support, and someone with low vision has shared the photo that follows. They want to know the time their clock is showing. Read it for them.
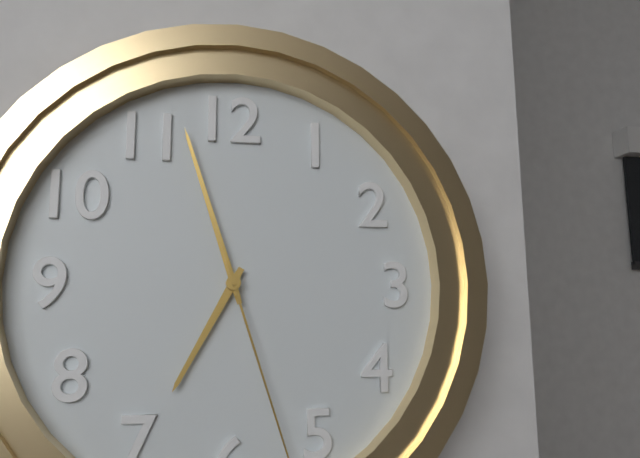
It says 6:57
